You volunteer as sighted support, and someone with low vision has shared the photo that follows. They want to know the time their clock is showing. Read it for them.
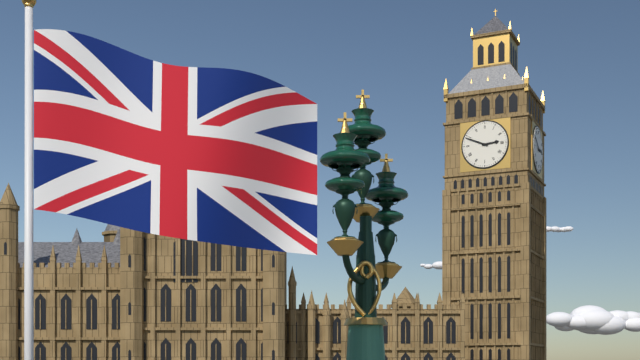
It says 2:49
